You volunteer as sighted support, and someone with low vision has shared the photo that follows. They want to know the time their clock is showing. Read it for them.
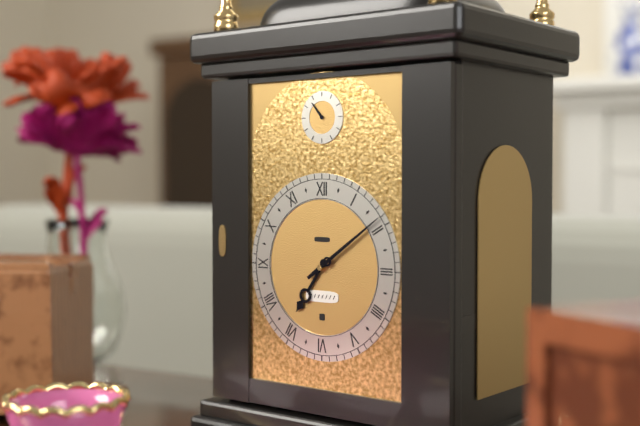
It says 7:09
